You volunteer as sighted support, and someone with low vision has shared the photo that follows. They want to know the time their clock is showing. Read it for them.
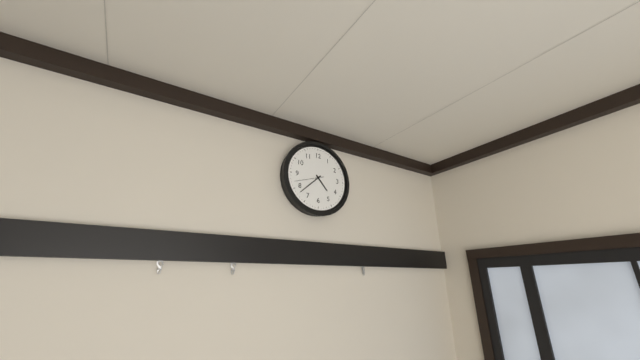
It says 4:38
